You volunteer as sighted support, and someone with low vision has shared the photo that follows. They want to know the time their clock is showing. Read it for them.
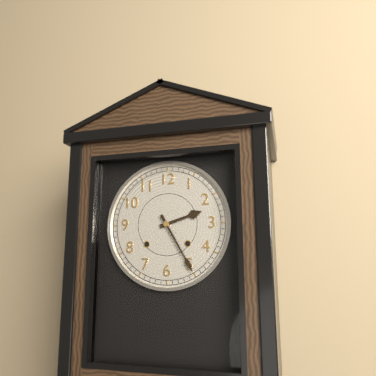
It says 2:25
